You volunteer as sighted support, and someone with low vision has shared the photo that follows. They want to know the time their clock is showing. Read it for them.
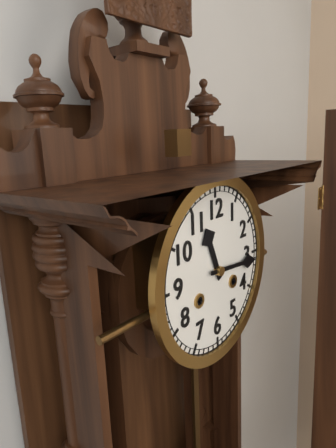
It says 11:16
